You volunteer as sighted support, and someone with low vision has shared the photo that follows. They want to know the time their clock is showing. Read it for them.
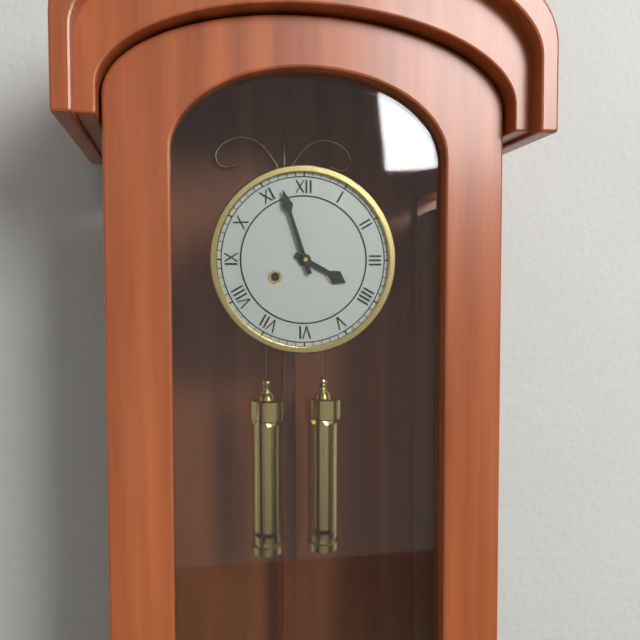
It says 3:57
